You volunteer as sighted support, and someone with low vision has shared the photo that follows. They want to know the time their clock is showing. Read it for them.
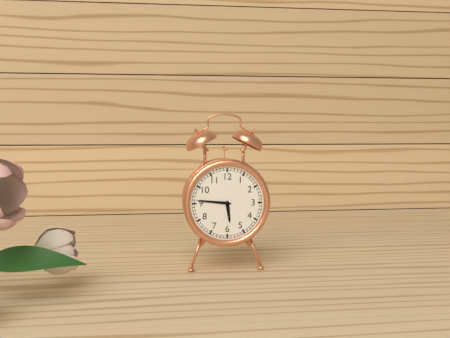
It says 5:46
